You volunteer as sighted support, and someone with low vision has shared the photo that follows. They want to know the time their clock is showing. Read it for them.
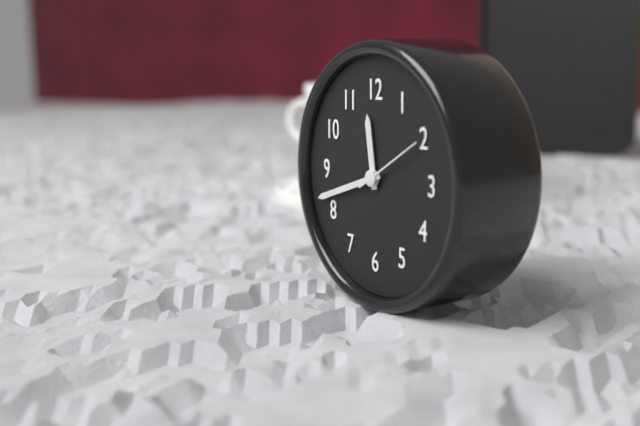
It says 11:42
